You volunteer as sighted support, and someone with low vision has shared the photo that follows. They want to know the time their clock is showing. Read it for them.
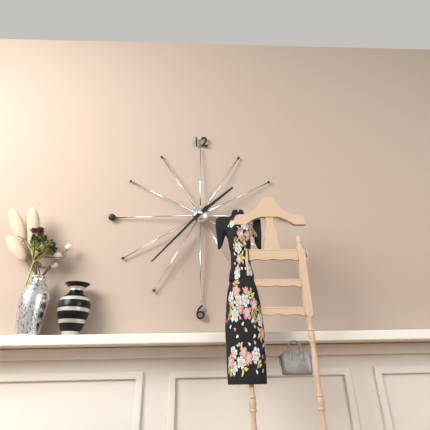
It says 1:37
